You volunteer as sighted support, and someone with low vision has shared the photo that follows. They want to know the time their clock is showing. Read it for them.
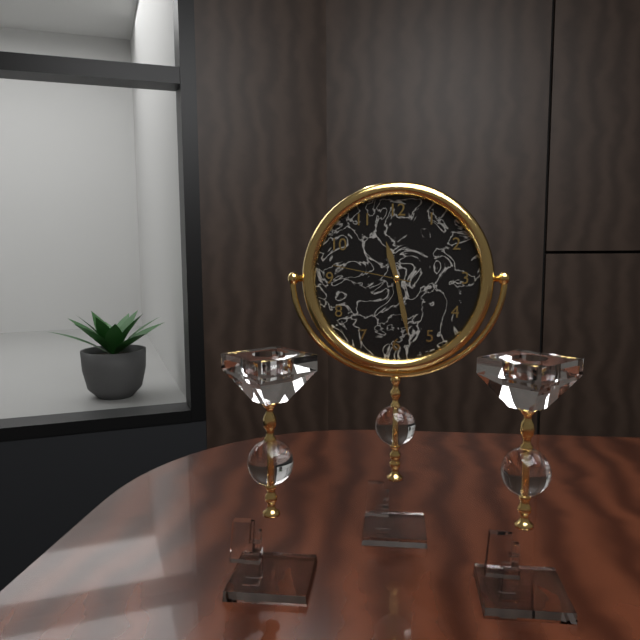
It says 11:28:47
